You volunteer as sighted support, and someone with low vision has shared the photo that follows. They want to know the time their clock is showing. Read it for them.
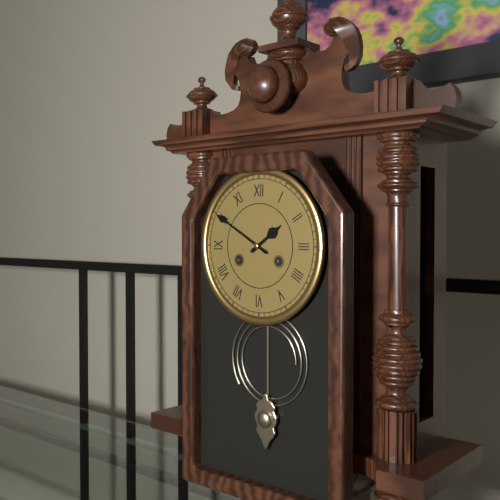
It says 1:50
